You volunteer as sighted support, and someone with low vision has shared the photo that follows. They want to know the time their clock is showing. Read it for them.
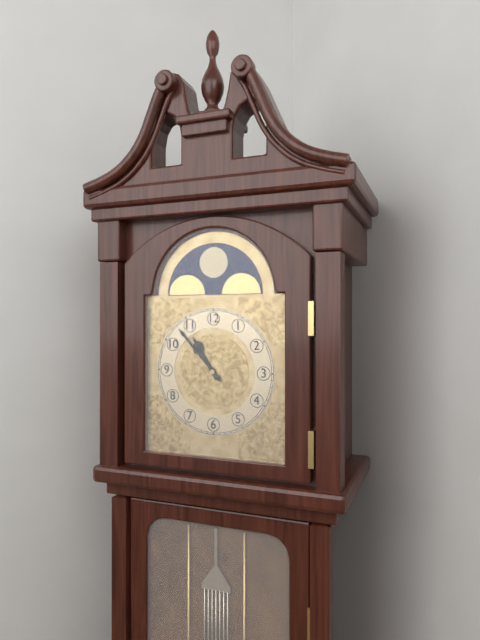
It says 10:53
